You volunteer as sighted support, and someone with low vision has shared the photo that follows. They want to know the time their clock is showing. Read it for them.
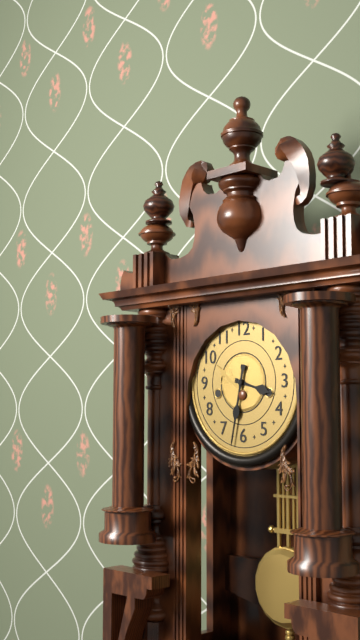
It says 3:32
